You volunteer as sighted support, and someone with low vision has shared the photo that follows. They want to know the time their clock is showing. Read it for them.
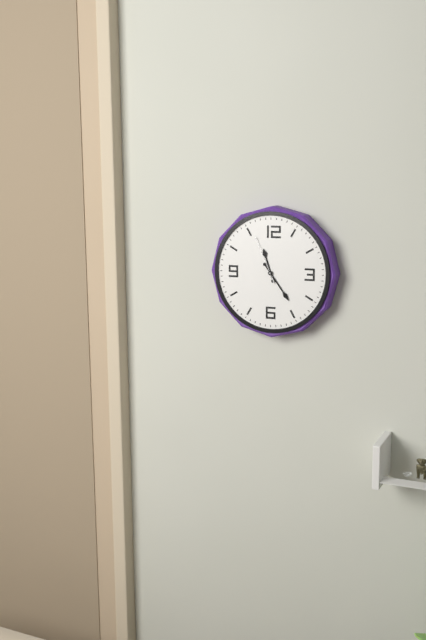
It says 11:24
